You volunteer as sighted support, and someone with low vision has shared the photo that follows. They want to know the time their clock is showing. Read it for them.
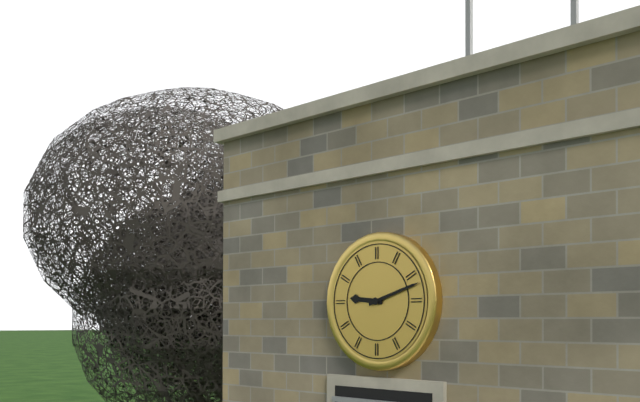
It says 9:12
